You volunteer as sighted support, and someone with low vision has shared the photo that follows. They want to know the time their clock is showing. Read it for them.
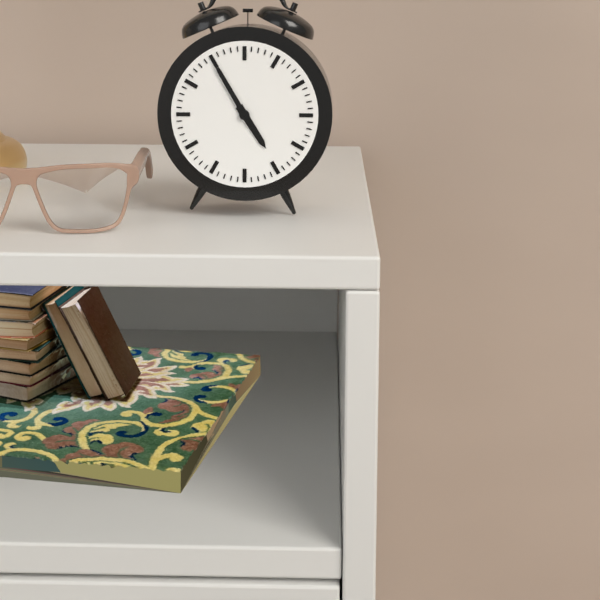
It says 4:55
